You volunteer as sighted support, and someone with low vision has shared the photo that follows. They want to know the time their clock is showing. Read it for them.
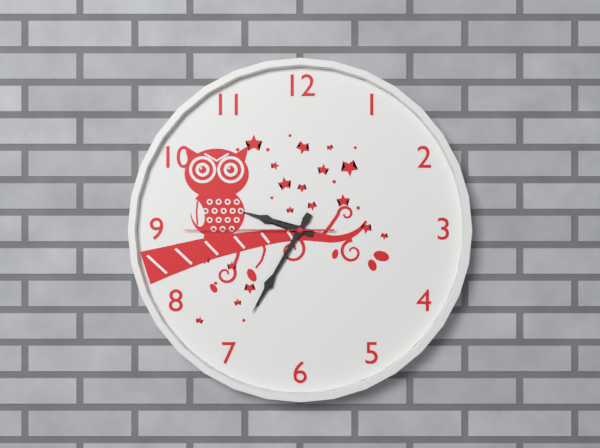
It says 9:35:45
